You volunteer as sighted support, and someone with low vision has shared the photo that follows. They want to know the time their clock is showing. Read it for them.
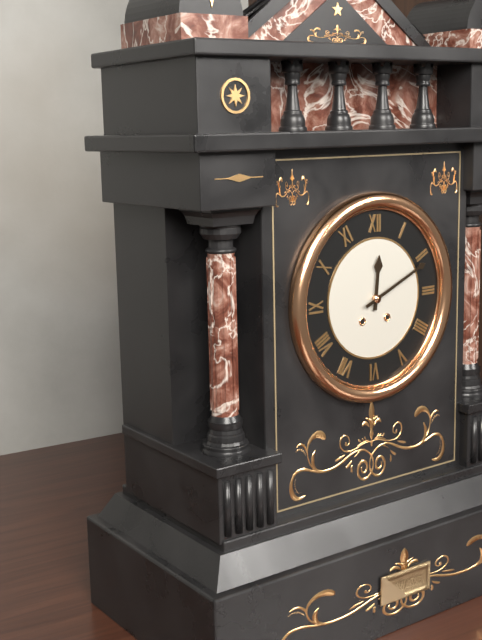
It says 12:11
